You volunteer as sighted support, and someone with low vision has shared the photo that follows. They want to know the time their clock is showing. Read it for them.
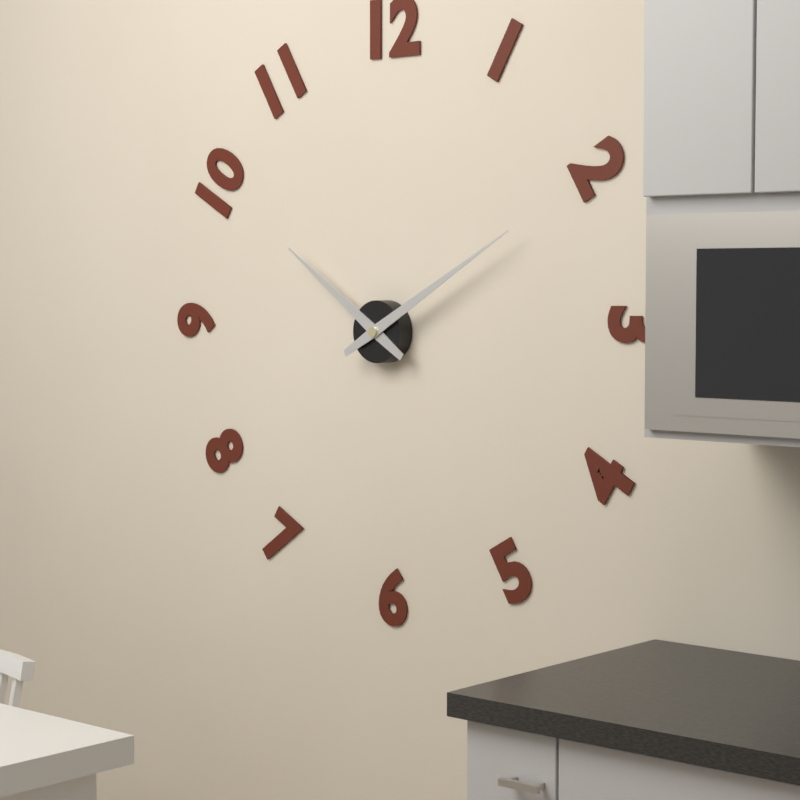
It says 10:10
